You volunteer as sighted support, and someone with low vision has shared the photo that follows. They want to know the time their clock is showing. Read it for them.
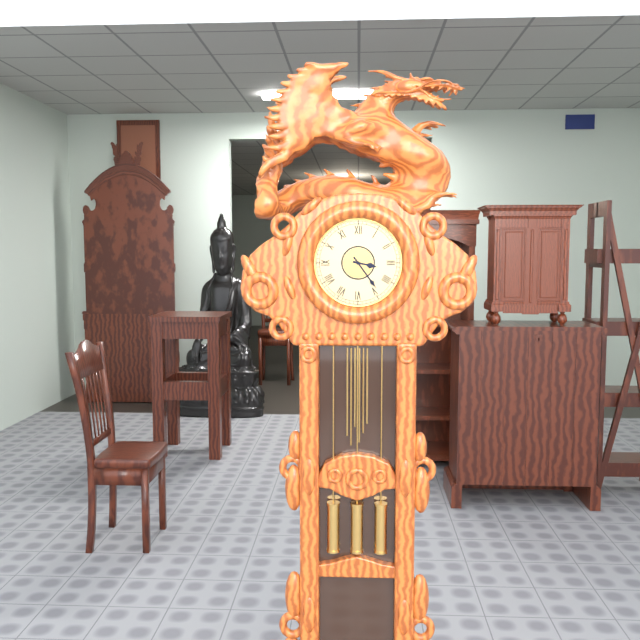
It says 3:24
